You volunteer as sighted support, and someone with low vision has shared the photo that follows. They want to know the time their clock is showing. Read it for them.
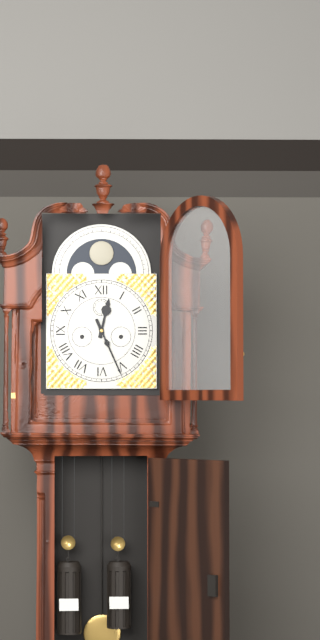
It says 12:26
